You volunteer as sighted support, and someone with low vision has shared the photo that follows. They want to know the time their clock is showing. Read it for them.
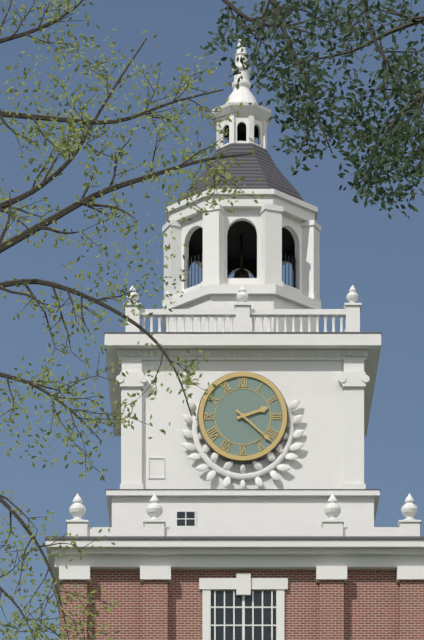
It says 2:22
